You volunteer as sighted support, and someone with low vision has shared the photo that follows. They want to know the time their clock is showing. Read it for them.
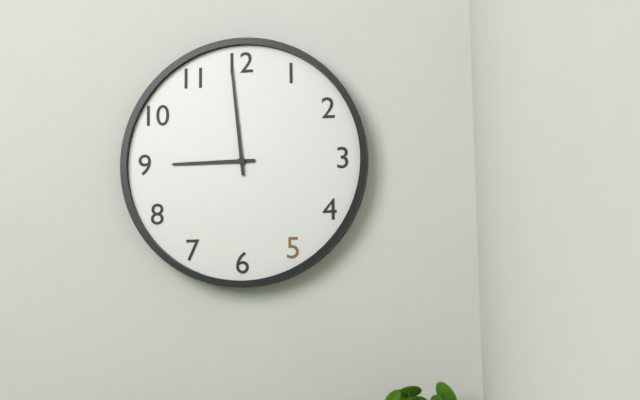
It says 8:59
